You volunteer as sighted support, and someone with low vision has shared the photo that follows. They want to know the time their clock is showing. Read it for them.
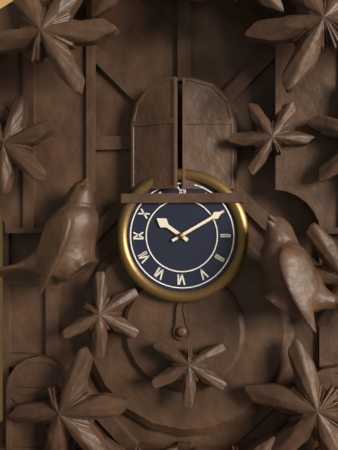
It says 10:10
